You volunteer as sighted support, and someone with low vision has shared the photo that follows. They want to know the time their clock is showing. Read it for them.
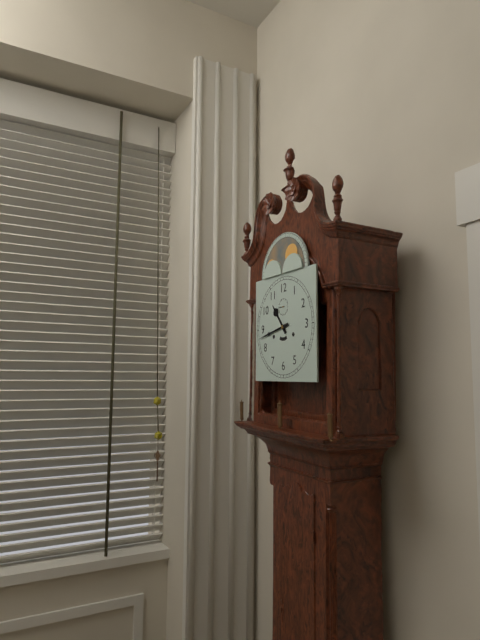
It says 10:43
